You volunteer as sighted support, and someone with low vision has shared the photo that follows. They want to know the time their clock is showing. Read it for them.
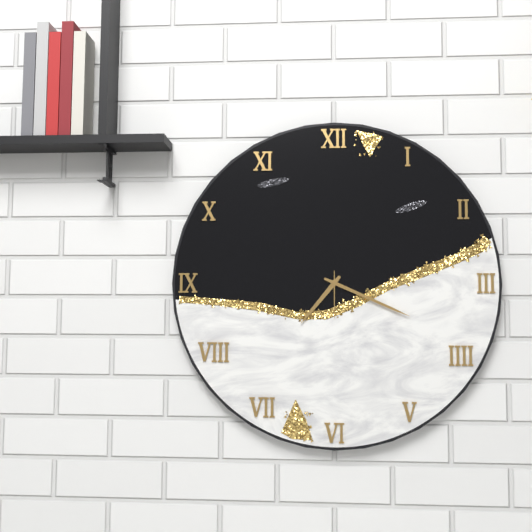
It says 7:19
